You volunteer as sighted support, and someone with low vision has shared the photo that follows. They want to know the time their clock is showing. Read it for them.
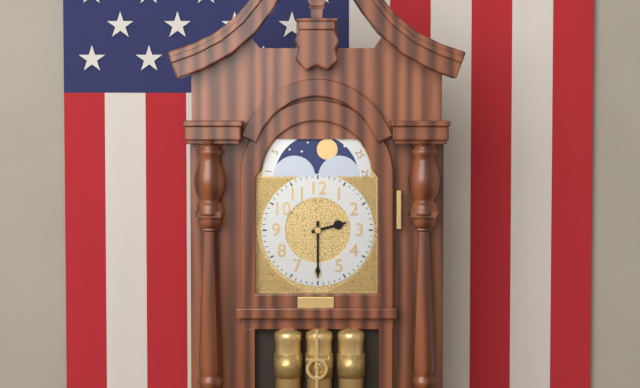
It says 2:30
